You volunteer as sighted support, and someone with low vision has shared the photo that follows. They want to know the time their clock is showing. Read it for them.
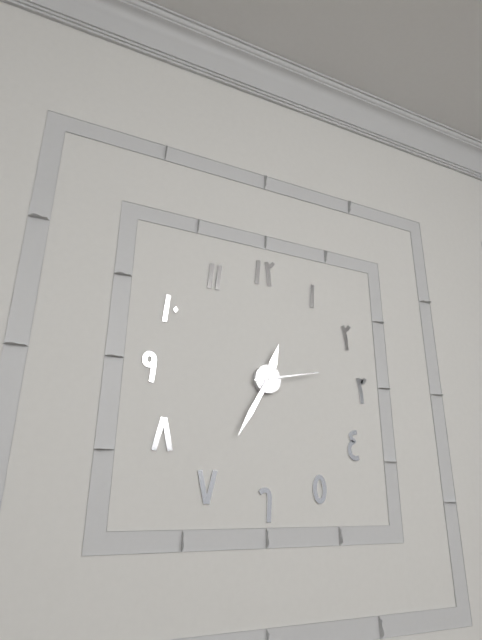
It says 12:35:13
